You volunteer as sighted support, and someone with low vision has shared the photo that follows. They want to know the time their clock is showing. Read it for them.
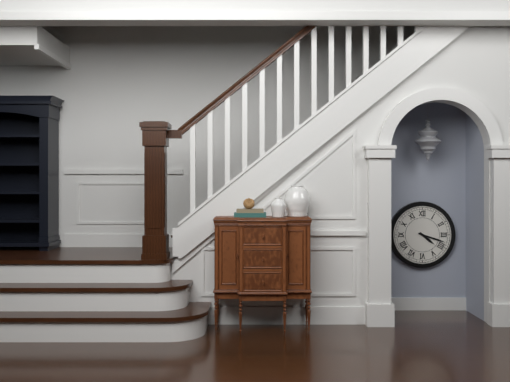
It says 4:18
